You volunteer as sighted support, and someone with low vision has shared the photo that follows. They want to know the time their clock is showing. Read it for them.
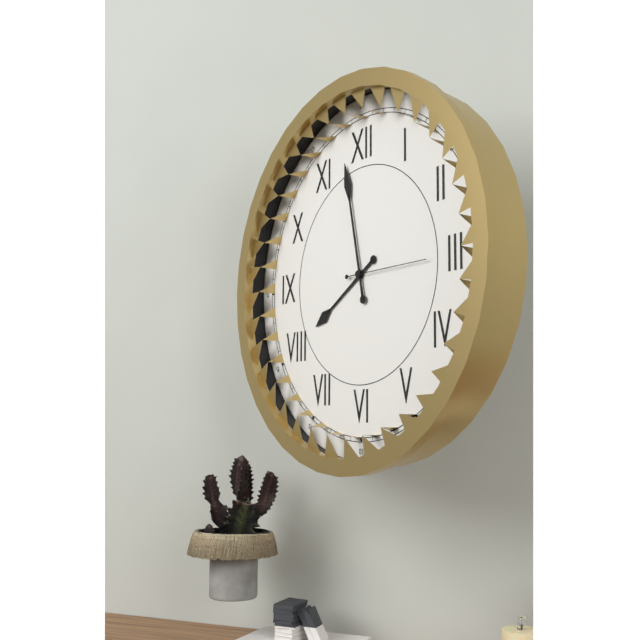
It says 7:58:15
